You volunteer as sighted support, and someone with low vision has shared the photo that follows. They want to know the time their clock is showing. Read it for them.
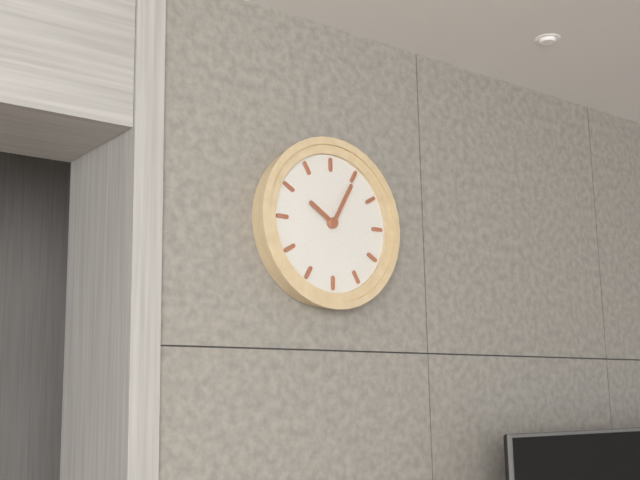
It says 10:05
